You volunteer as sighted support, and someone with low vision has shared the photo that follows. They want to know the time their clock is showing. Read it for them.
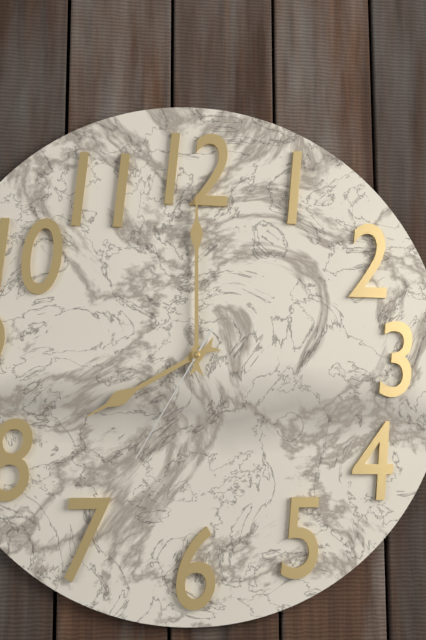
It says 8:00:35
